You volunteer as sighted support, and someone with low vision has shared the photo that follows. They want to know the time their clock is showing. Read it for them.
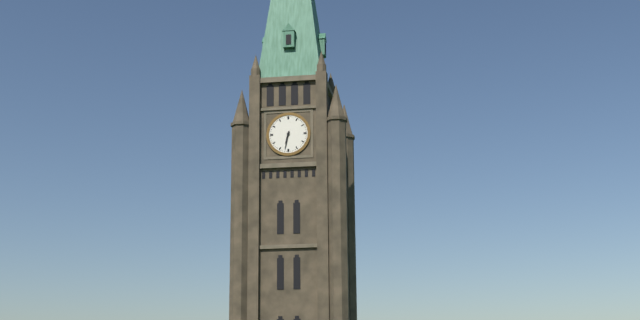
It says 6:32
